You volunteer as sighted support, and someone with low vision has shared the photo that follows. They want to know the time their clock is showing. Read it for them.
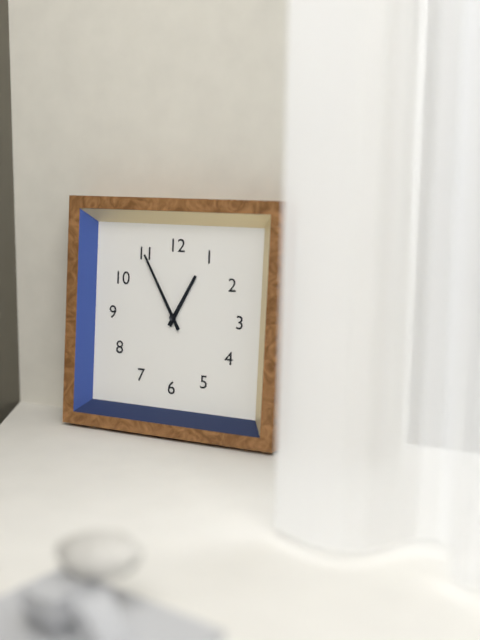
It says 12:55
